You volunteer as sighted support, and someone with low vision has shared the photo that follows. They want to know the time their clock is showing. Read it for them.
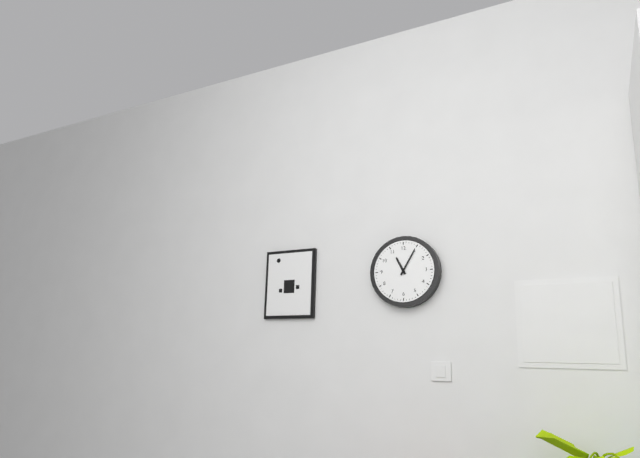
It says 11:05
